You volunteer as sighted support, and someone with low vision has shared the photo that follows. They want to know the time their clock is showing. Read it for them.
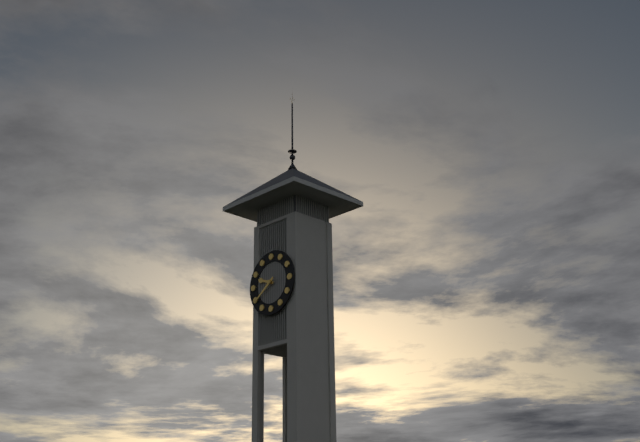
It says 9:39
